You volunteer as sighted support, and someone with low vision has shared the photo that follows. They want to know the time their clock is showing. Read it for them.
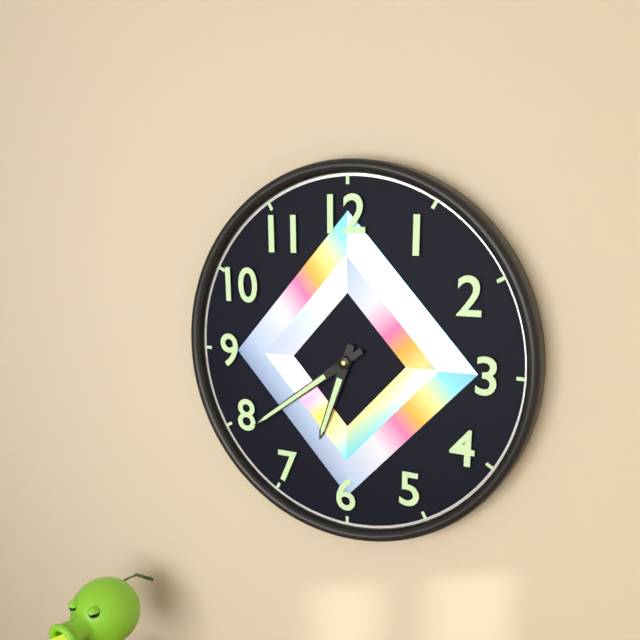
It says 6:39
